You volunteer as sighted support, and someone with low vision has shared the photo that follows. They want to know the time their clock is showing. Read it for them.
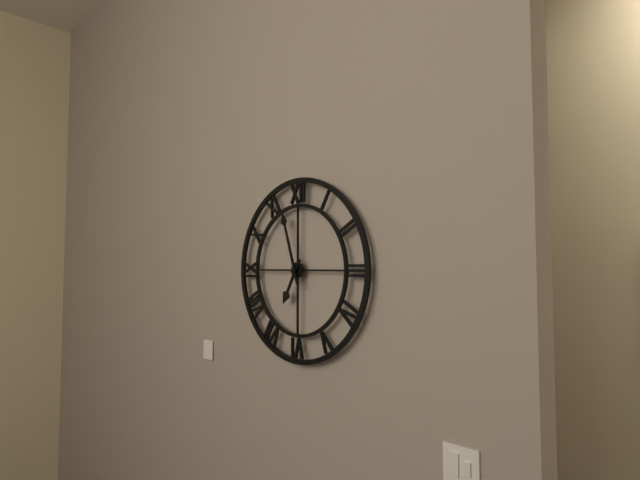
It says 6:57
